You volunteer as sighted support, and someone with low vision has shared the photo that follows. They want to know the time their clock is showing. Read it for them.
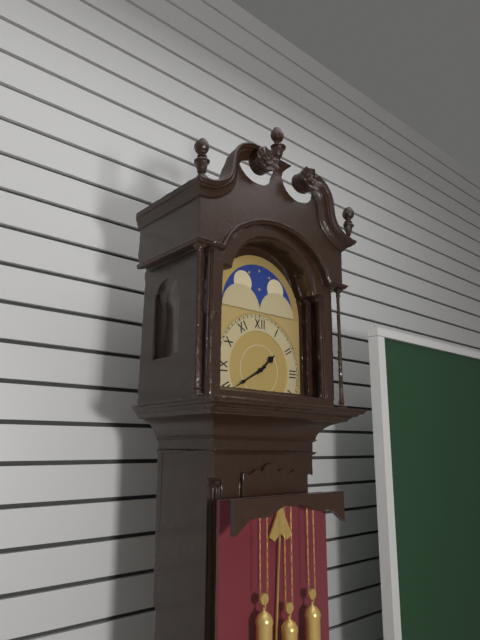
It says 1:40
